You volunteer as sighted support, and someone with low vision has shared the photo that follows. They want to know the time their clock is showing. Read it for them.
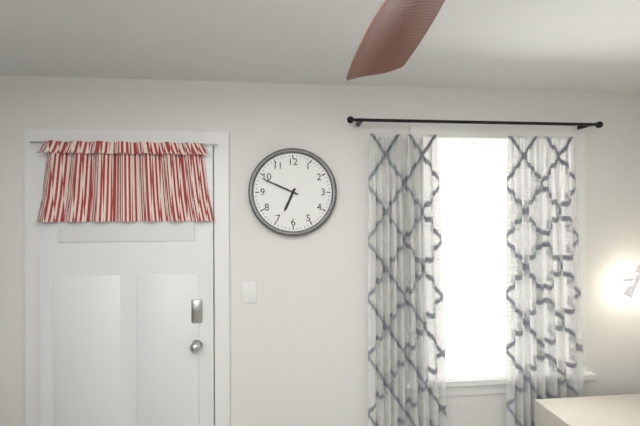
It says 6:49
